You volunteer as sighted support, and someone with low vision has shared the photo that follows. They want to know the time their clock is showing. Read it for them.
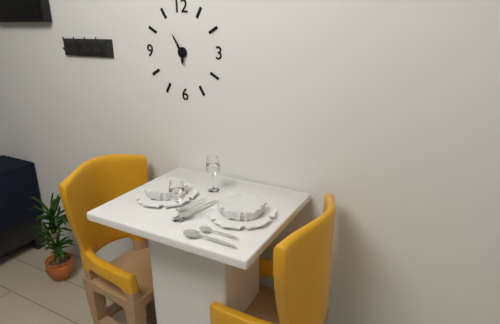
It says 5:55
